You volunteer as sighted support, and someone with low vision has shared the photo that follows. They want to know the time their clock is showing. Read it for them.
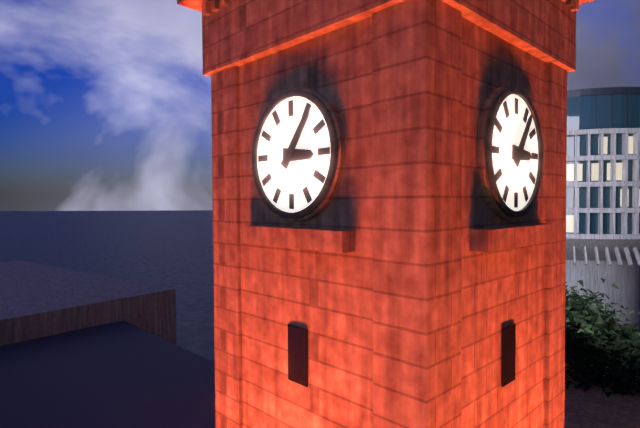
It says 3:06
